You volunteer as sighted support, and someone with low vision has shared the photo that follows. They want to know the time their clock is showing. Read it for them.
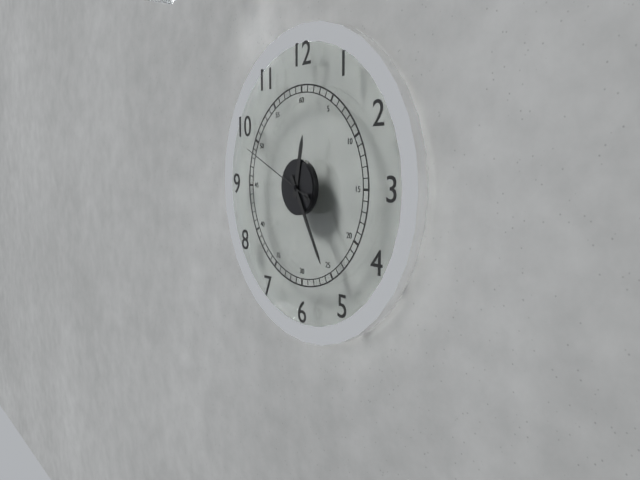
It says 12:25:49
